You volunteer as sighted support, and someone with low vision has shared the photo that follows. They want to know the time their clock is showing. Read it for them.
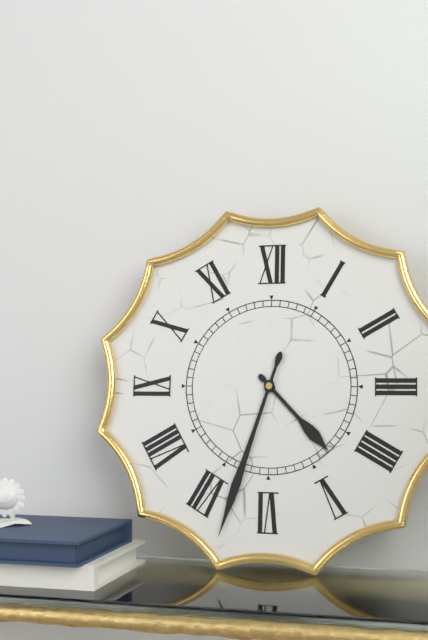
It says 4:33
